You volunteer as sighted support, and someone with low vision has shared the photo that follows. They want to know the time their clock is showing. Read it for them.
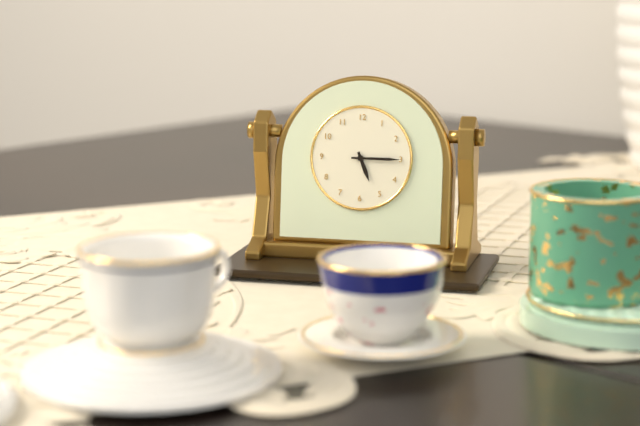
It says 5:15
